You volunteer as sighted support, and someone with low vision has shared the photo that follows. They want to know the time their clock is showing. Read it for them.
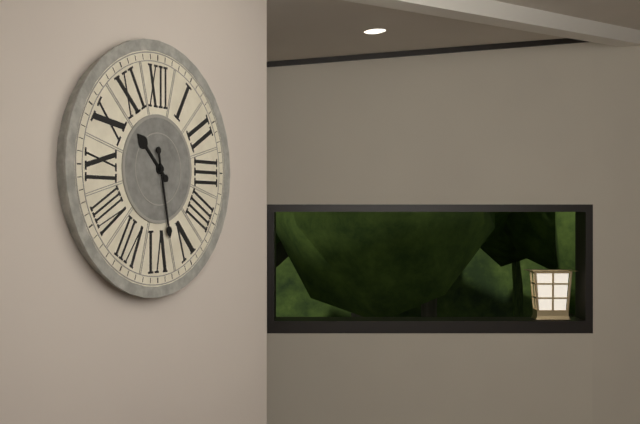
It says 10:28
